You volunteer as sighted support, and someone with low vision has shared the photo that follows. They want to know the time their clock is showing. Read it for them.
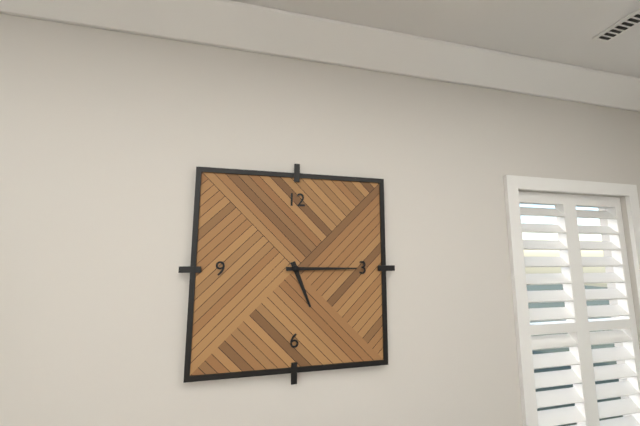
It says 5:15
